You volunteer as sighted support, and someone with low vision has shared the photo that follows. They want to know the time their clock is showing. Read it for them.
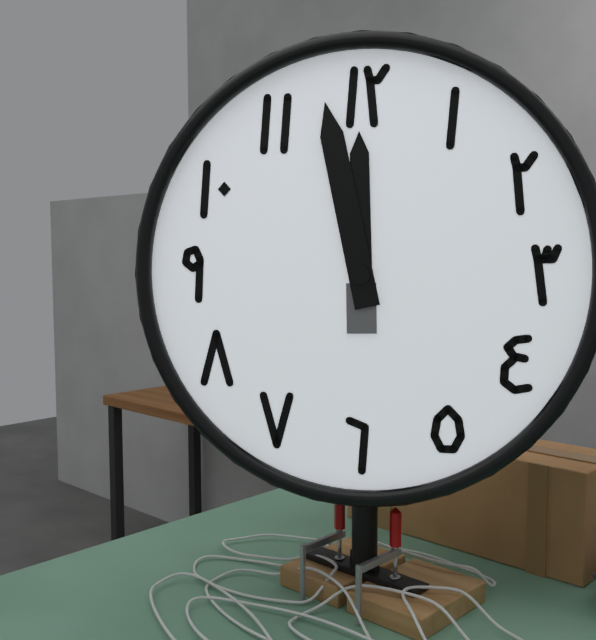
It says 11:58
